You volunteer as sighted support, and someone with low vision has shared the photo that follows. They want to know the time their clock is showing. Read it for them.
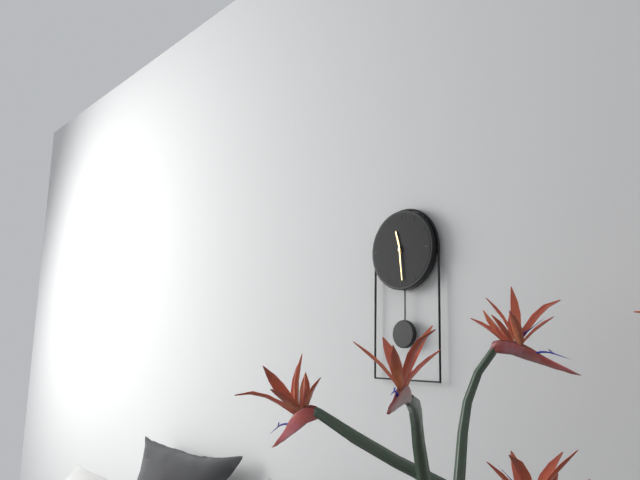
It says 11:29
